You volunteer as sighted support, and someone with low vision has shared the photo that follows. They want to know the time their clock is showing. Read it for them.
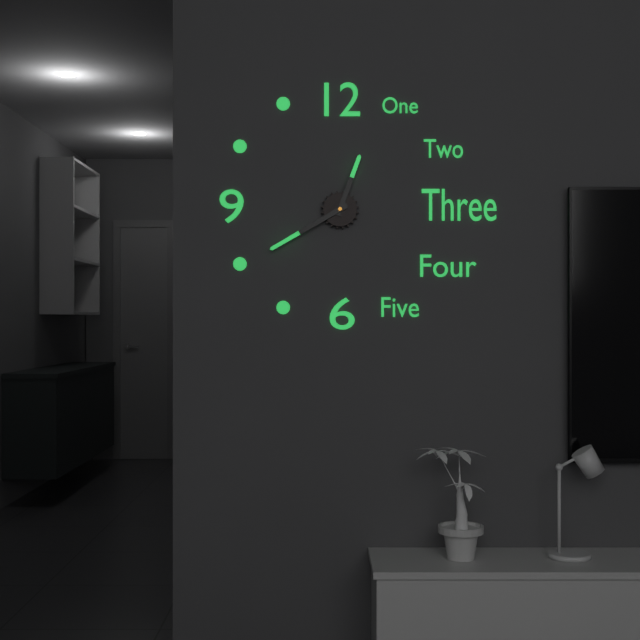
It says 12:40
